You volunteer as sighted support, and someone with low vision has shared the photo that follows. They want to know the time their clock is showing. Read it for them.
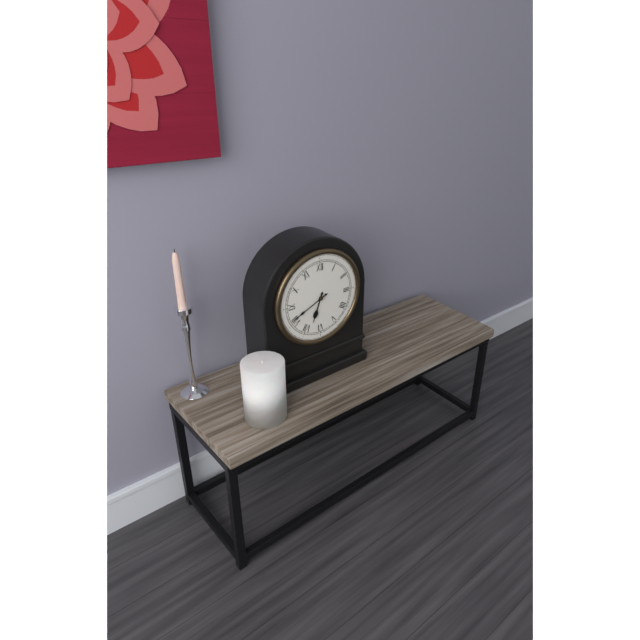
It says 6:41
